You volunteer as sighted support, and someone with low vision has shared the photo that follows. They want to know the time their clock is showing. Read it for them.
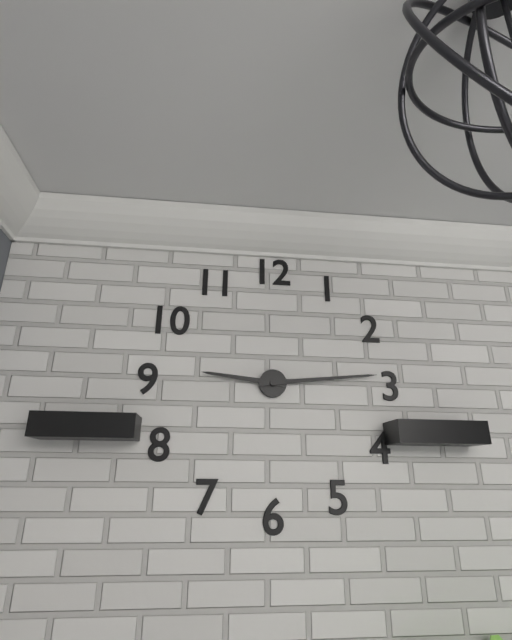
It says 9:14
